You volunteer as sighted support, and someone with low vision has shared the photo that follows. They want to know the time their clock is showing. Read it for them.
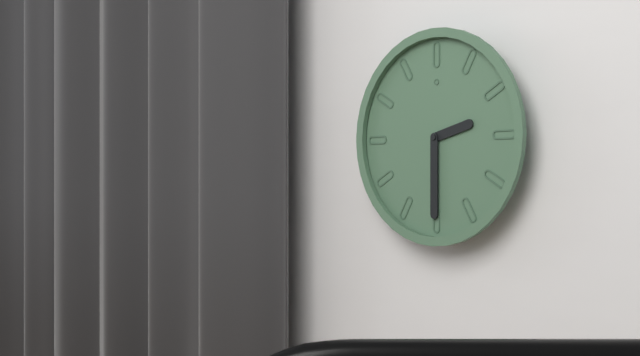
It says 2:30
